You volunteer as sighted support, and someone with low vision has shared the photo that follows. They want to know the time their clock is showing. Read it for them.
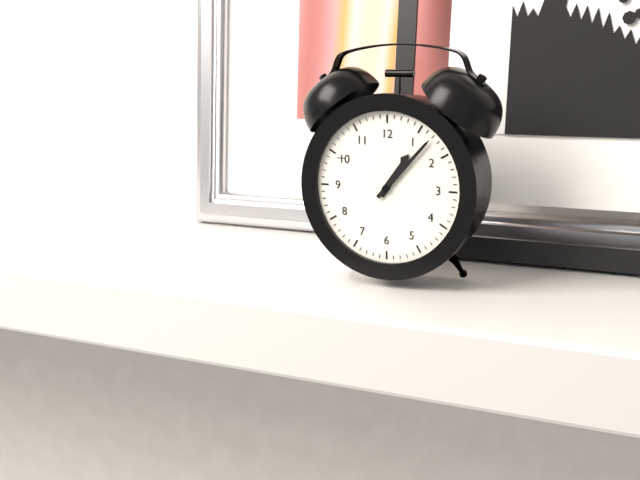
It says 1:07
